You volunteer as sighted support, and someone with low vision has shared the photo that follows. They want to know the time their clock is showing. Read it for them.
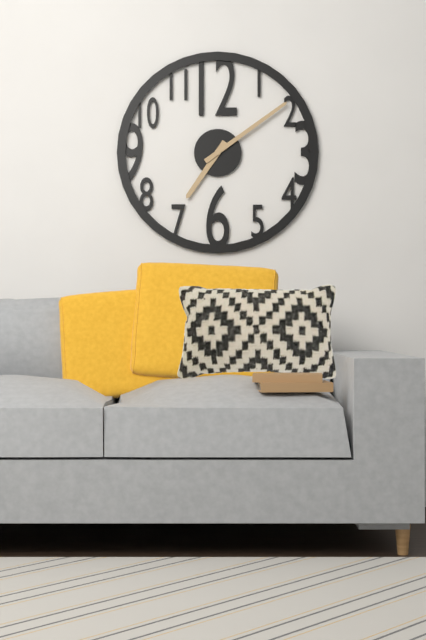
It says 7:09
